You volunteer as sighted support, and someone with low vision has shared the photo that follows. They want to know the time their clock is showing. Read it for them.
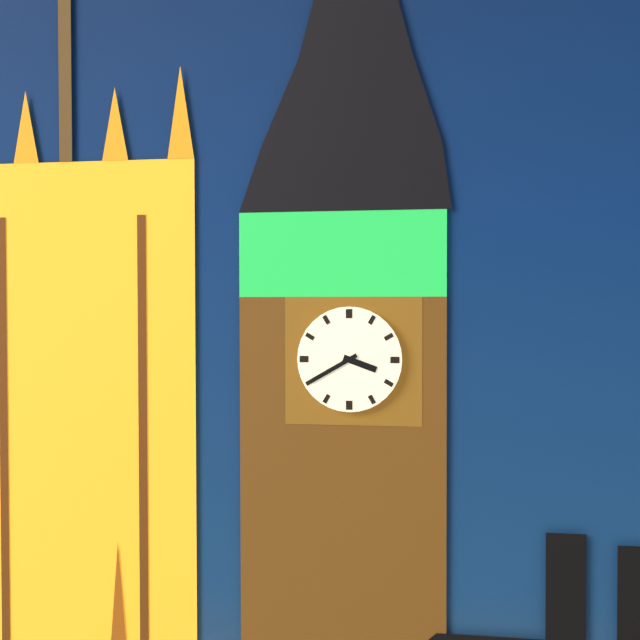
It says 3:40
